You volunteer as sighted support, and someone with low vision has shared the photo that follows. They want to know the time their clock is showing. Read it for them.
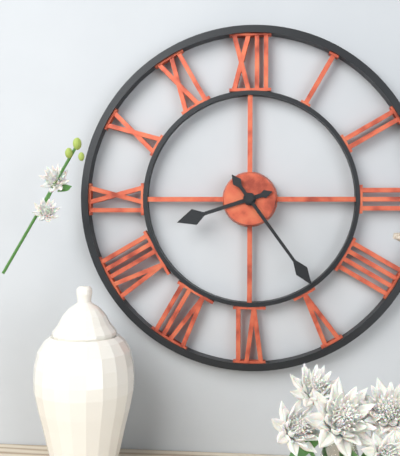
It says 8:24
